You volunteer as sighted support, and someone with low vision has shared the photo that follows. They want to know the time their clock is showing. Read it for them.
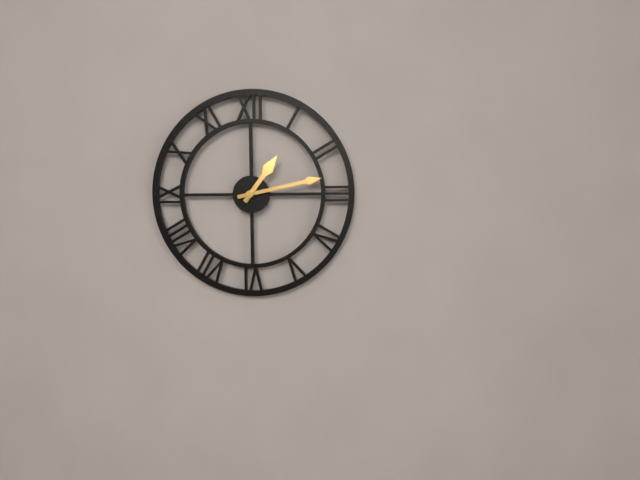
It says 1:13
